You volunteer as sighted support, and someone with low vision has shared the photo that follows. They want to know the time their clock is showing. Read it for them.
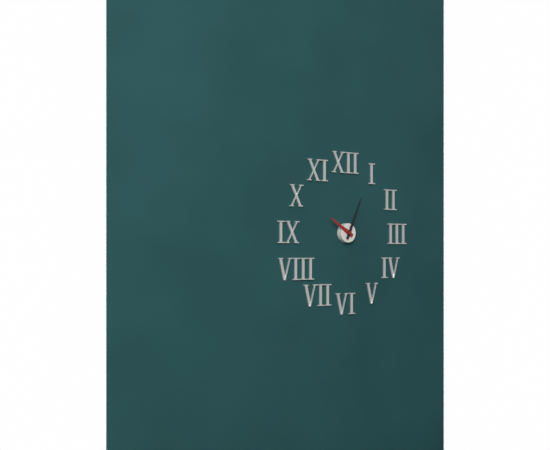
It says 10:04
